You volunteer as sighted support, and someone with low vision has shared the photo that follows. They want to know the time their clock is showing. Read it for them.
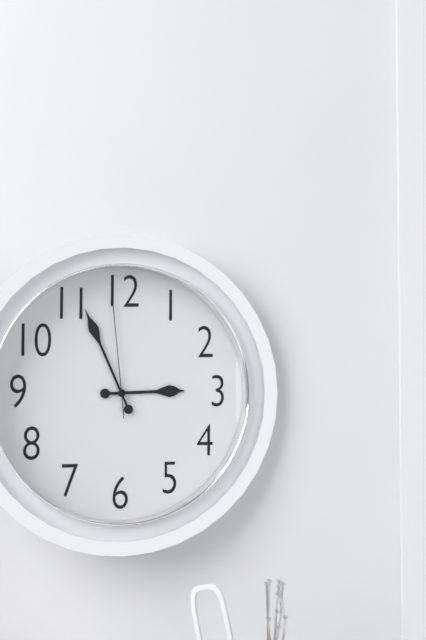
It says 2:56:59
